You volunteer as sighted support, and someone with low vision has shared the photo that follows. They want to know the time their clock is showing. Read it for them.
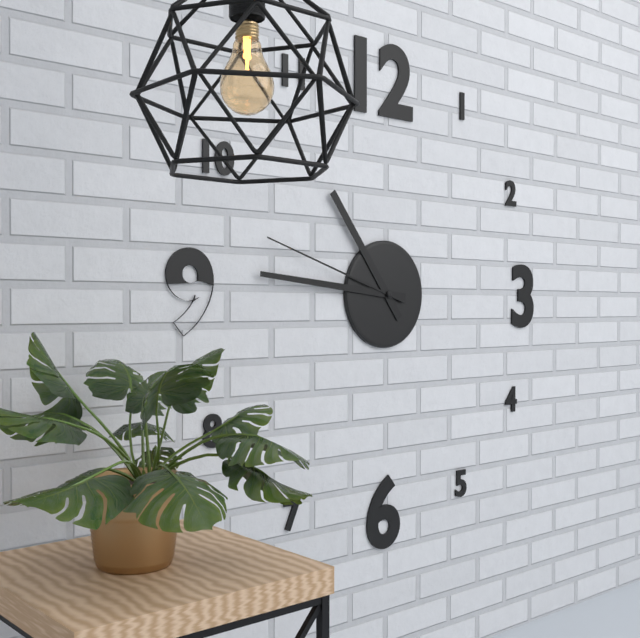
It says 10:46:48
